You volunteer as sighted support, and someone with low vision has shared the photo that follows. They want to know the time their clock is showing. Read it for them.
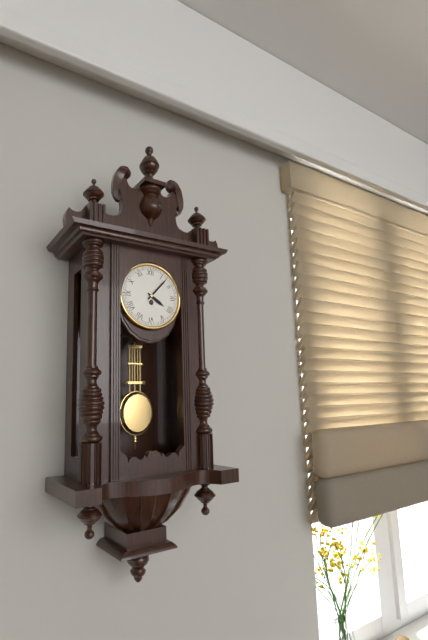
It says 4:07
